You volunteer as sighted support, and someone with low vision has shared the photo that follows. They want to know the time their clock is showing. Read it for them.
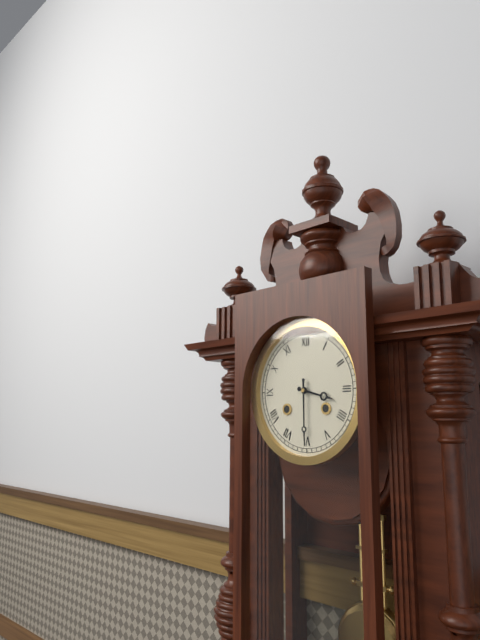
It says 3:30
